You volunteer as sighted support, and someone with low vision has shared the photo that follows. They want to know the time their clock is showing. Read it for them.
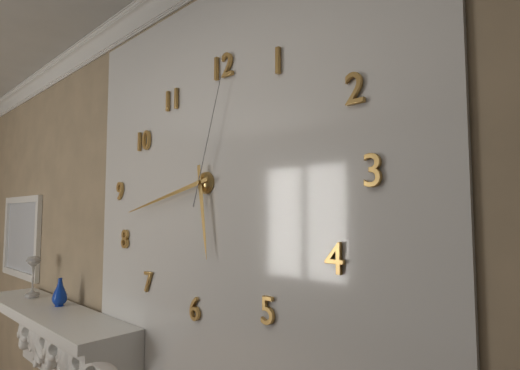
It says 5:43:03
